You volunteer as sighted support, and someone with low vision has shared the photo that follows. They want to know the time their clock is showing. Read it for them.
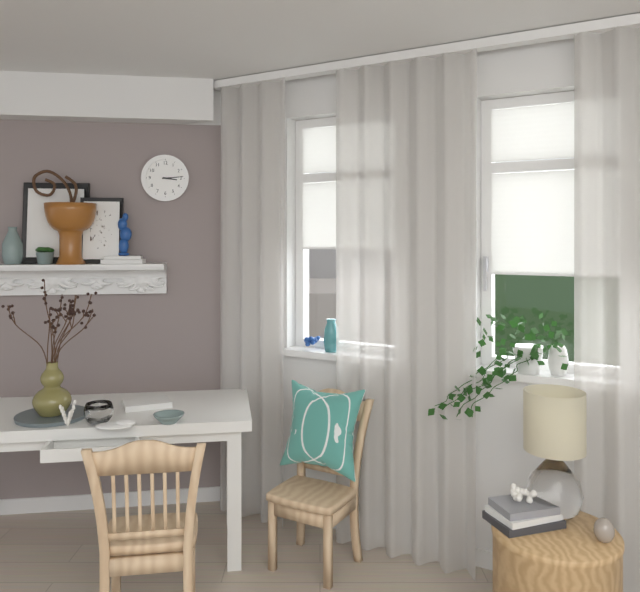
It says 3:14
